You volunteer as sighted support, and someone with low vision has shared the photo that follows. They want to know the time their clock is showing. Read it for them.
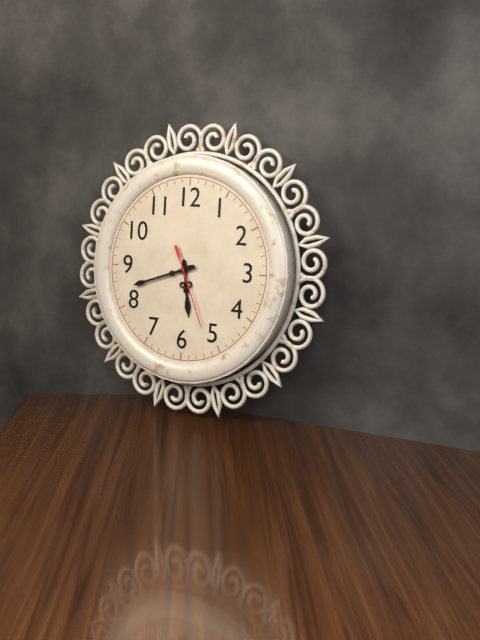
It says 5:42:26
